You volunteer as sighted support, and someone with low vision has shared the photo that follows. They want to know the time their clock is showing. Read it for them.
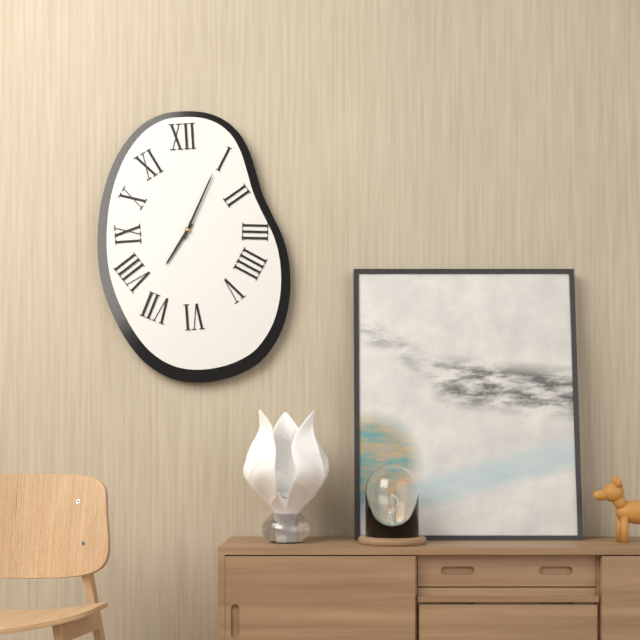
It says 7:04
